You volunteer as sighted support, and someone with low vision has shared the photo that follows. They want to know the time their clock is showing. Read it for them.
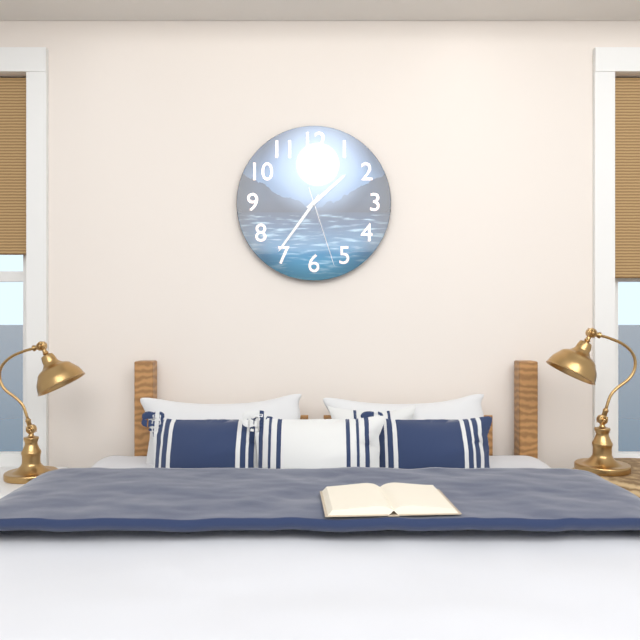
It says 1:36:27
